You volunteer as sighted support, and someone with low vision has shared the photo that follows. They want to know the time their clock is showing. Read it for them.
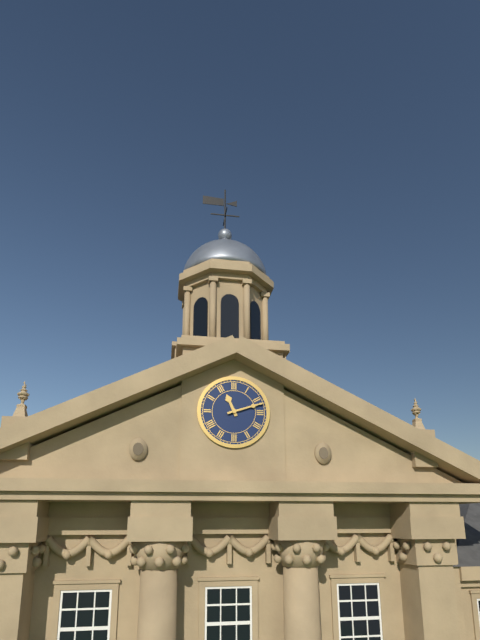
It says 11:12
